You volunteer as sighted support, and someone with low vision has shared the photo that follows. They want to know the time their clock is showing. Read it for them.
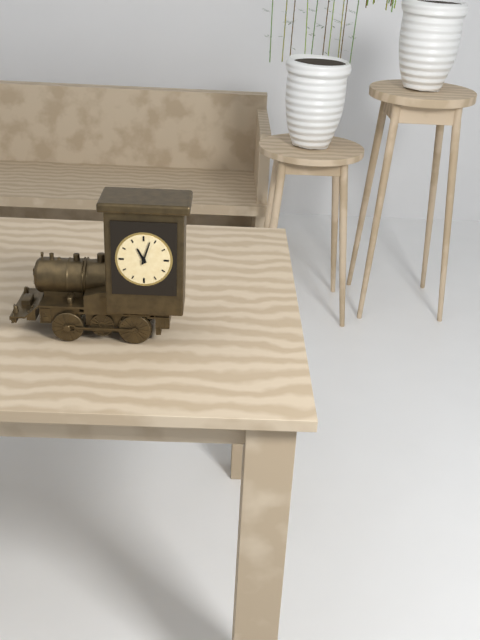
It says 11:03
